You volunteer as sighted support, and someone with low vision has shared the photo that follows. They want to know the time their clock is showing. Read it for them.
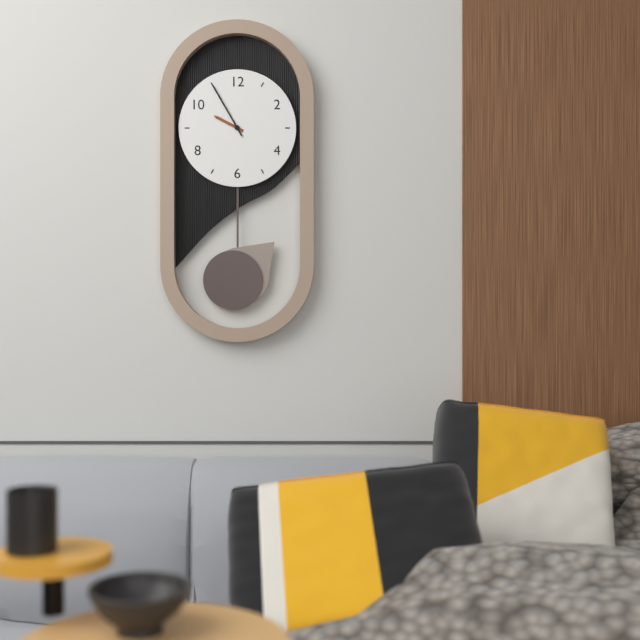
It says 9:55
